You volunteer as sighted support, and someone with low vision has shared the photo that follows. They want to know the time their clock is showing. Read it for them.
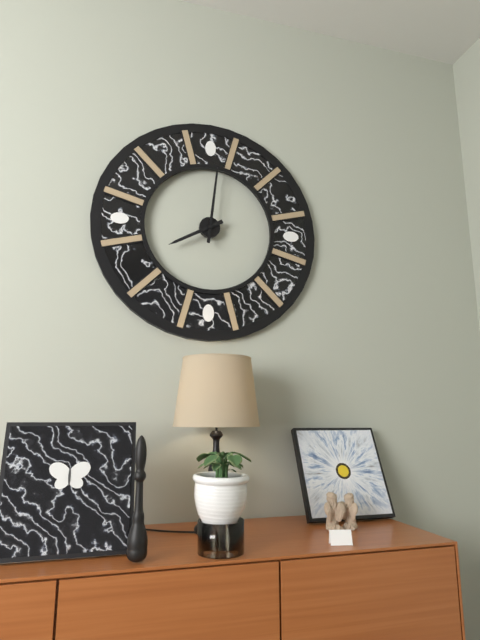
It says 8:01
